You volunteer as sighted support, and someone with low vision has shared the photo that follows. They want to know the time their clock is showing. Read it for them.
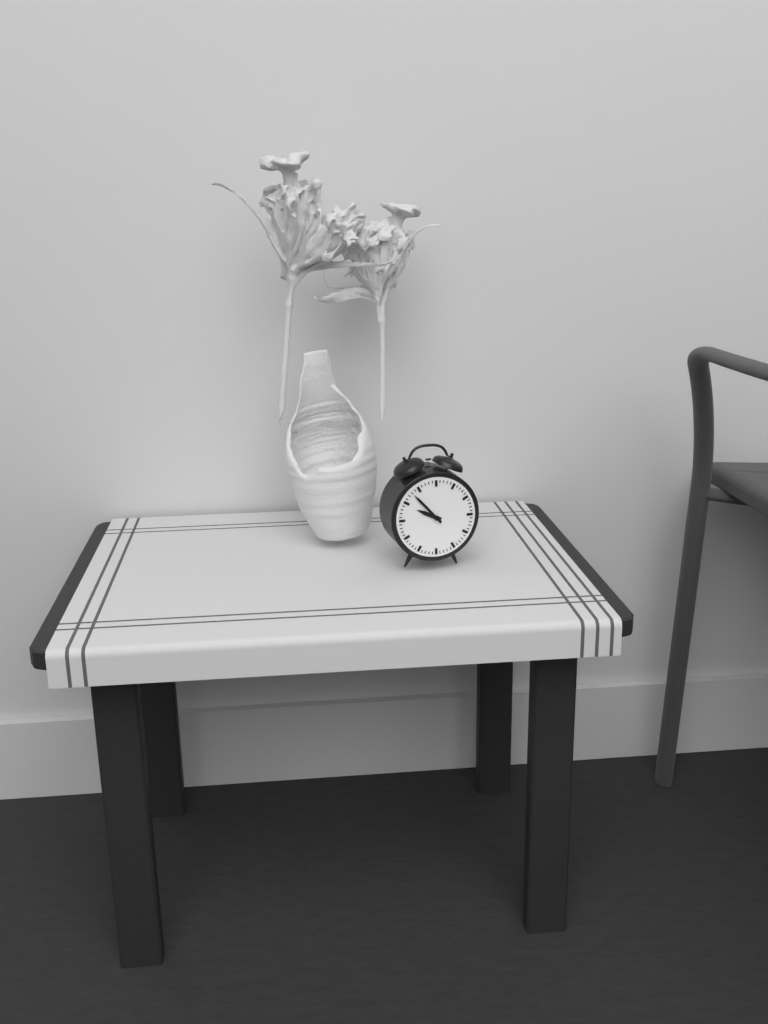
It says 9:53
